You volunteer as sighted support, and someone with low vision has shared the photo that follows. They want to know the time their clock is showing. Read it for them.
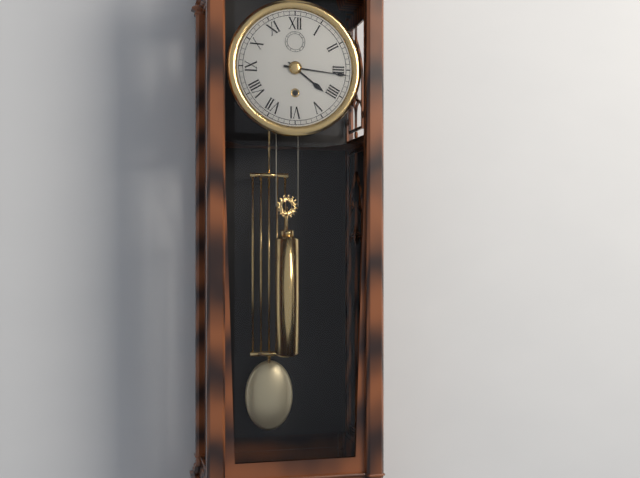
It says 4:16
